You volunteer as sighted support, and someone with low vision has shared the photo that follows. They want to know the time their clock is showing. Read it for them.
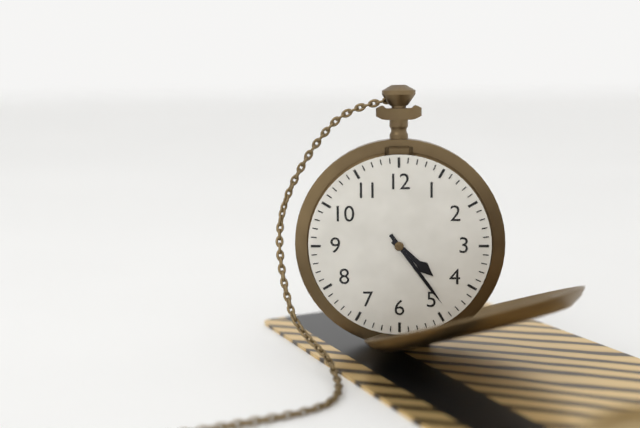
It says 4:24
